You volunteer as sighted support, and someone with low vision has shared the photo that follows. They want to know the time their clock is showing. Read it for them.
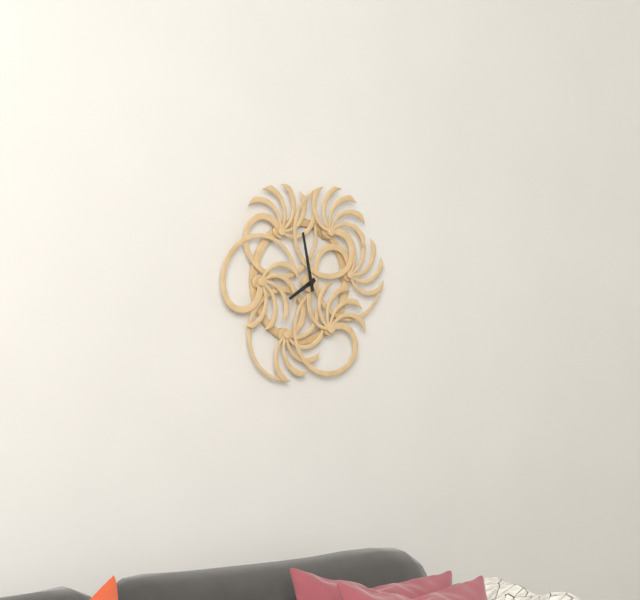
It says 7:58
